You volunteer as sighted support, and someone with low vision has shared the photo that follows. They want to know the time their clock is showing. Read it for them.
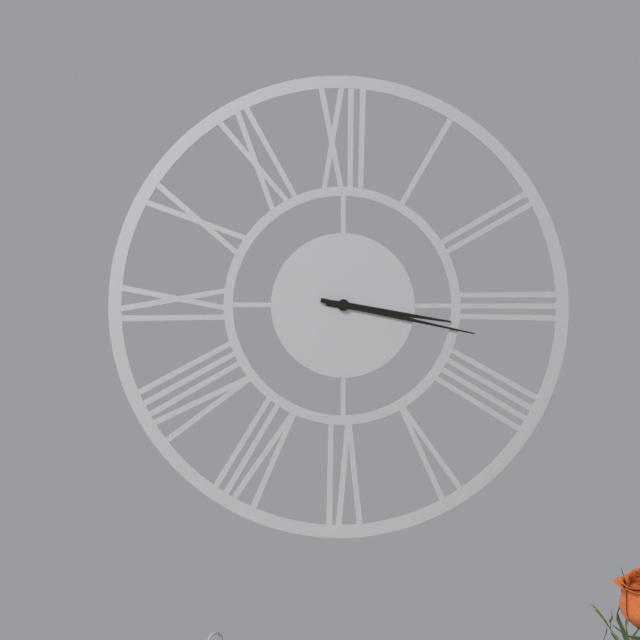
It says 3:17
